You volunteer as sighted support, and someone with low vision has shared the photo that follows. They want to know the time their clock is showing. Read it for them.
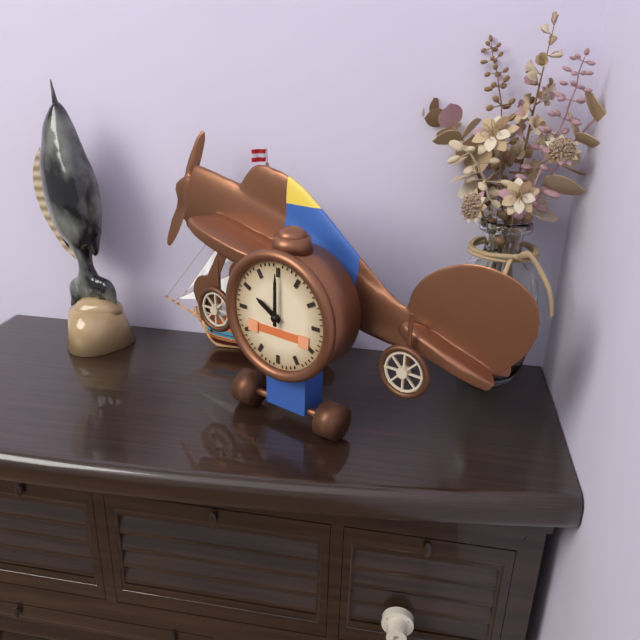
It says 10:00
